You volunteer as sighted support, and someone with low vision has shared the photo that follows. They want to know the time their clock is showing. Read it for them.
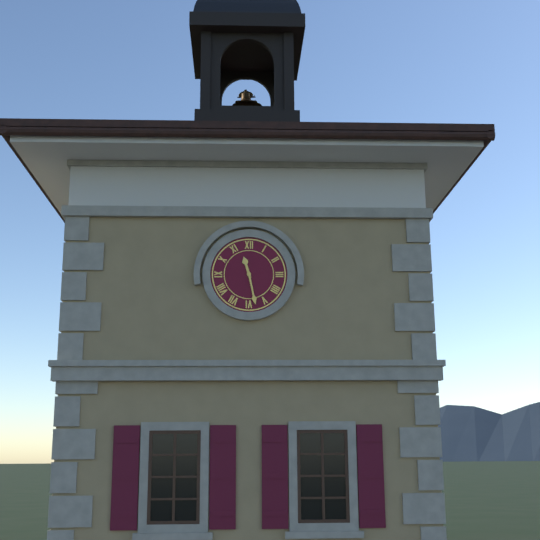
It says 11:28
